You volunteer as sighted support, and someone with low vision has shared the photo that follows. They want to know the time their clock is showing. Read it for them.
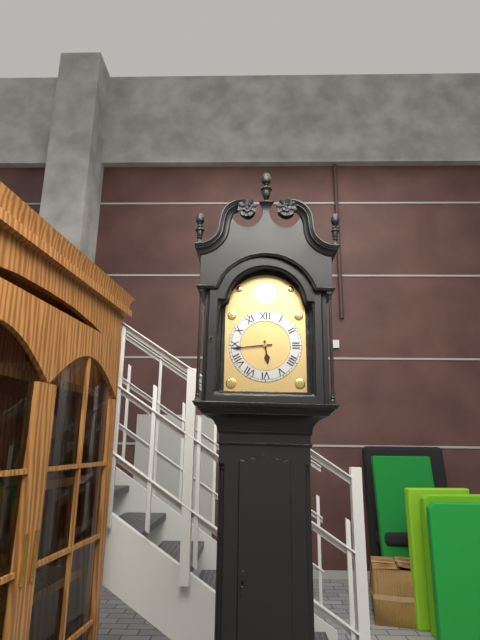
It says 5:44
